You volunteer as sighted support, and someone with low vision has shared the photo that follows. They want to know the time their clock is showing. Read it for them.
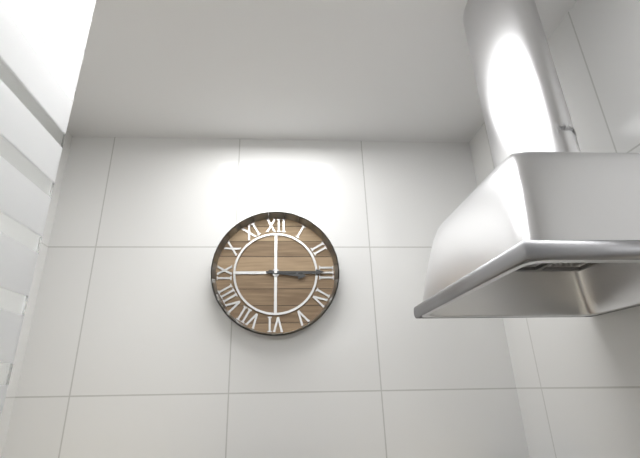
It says 3:15
